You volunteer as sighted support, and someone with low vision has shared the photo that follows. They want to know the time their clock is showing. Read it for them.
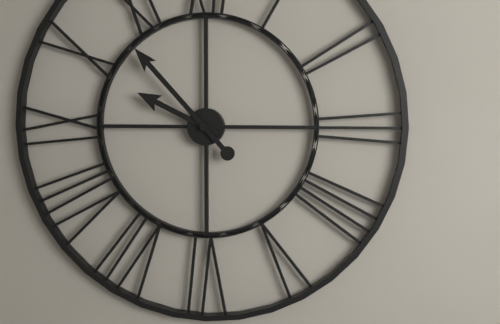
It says 9:53
